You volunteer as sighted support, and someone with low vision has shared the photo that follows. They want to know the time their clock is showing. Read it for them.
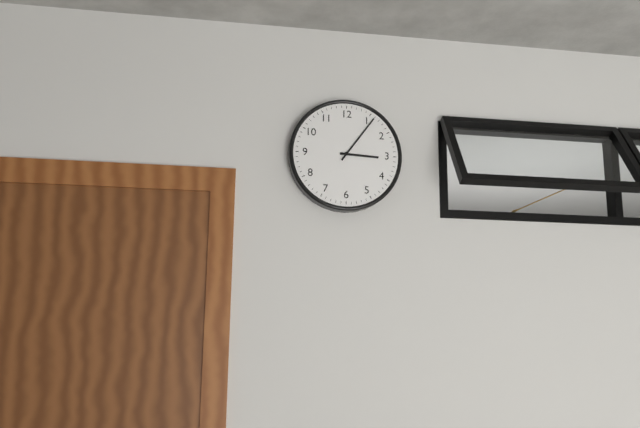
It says 3:06
